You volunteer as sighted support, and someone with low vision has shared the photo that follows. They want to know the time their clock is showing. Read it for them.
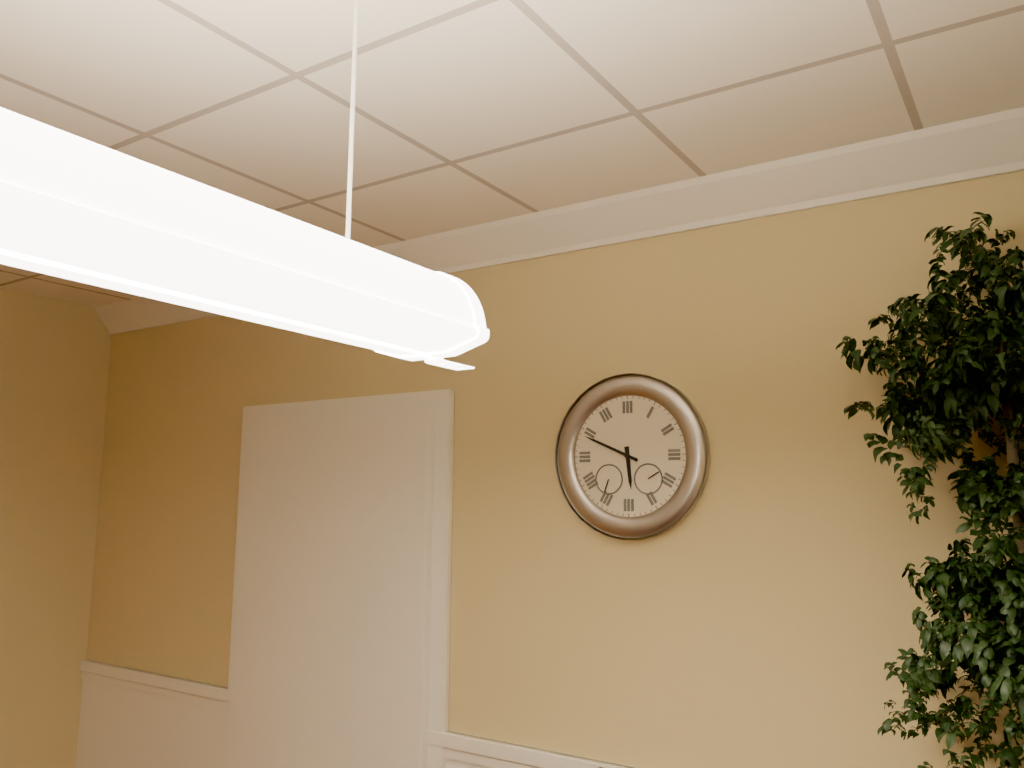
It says 5:49
